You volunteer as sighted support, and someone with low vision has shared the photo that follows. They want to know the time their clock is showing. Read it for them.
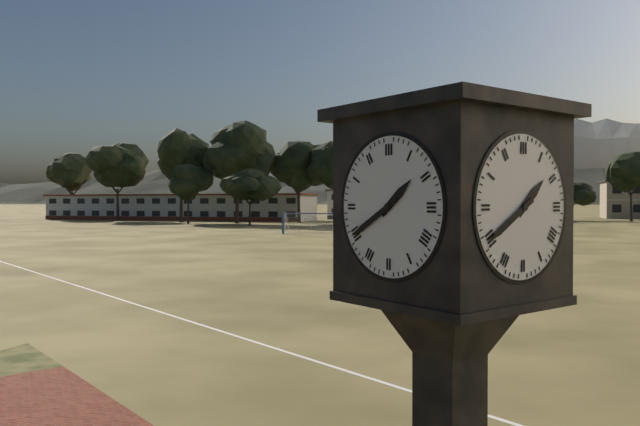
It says 1:40
